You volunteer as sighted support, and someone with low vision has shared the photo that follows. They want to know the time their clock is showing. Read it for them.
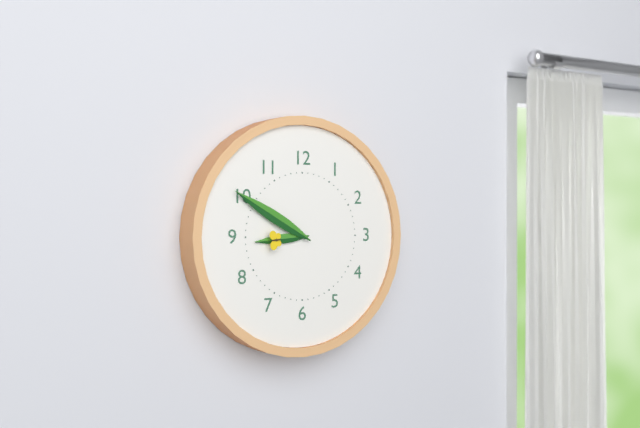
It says 8:50
